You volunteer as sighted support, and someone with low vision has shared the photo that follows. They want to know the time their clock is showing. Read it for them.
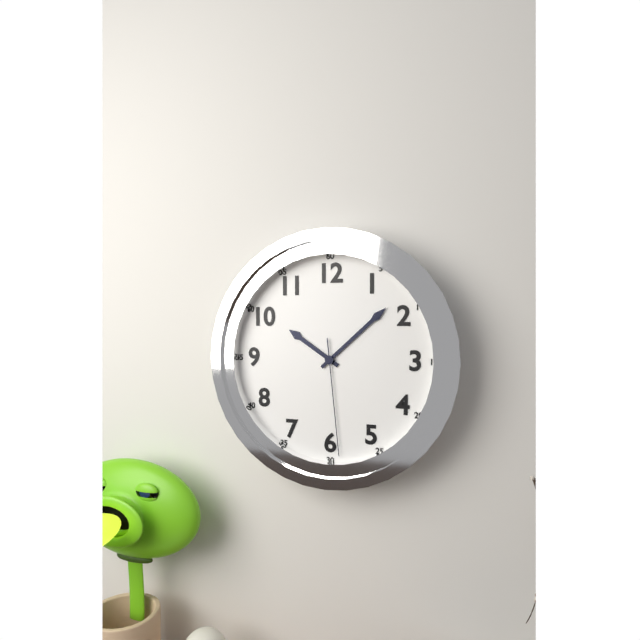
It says 10:08:29
